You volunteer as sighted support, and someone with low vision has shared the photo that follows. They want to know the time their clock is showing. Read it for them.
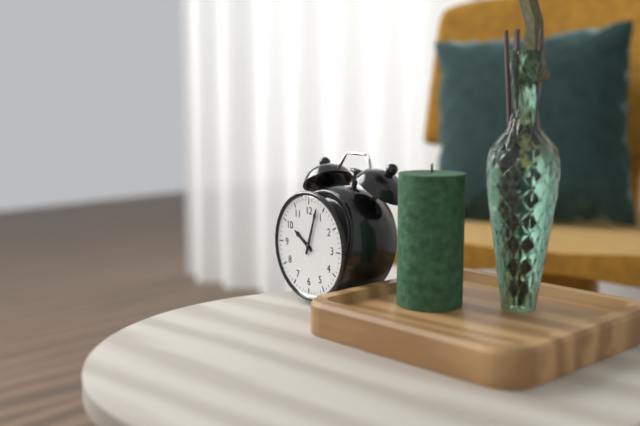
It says 10:03
